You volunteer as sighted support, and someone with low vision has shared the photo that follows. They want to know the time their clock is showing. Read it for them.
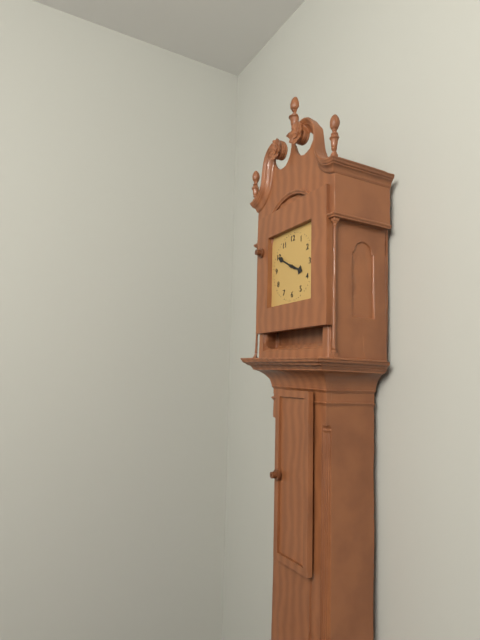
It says 3:50
